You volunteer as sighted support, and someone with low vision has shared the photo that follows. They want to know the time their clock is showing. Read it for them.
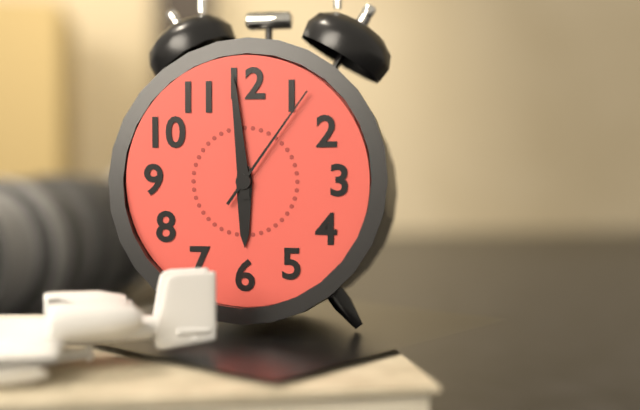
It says 5:59:06
